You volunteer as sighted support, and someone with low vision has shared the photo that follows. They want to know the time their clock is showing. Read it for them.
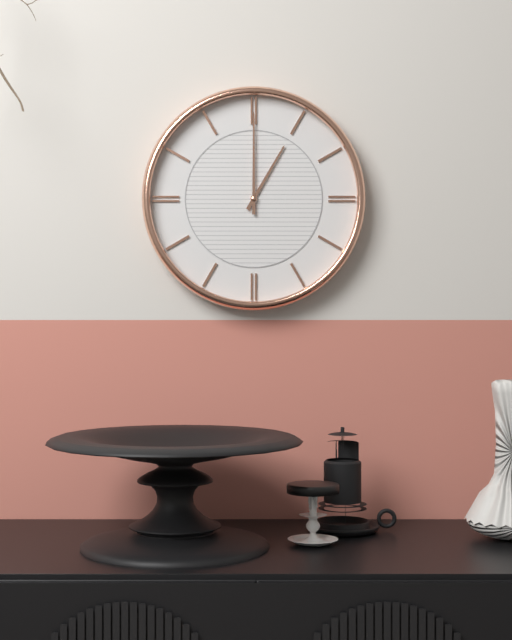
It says 1:00
